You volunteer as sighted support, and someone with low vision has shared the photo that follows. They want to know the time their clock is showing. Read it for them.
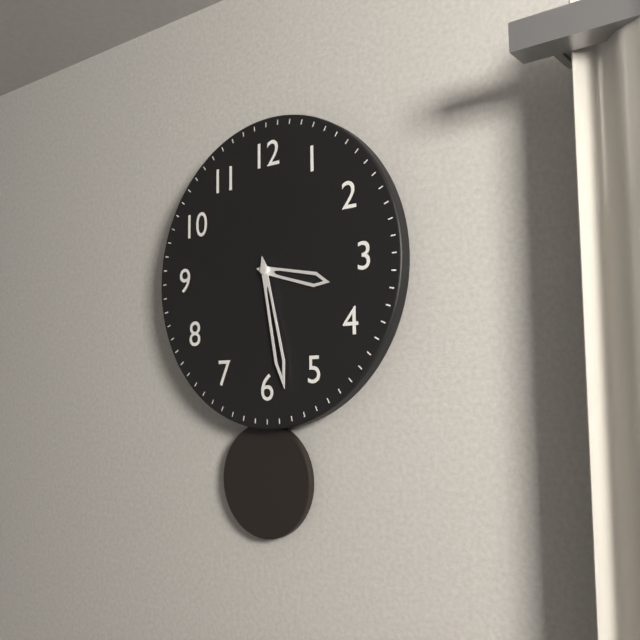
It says 3:28
